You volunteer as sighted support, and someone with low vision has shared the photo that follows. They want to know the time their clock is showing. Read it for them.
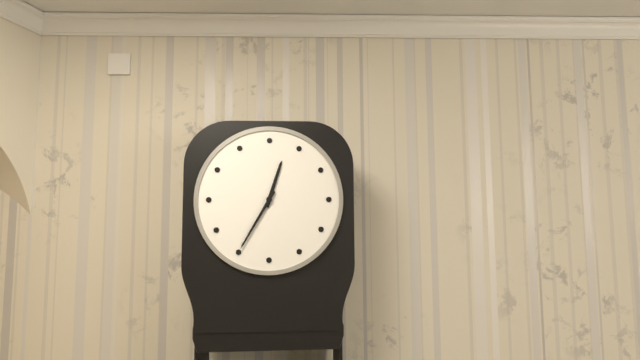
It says 12:35
